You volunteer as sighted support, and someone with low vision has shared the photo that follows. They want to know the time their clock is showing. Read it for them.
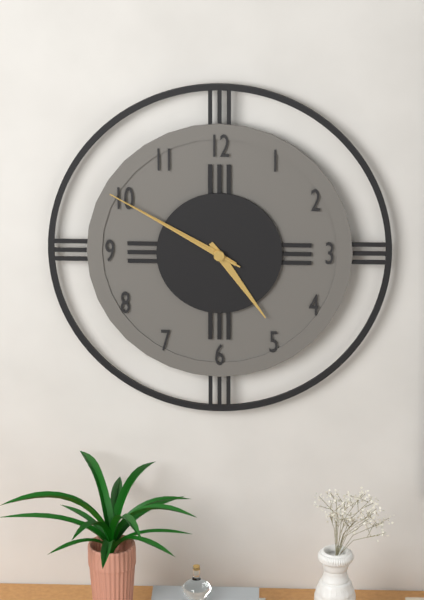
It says 4:50:50
